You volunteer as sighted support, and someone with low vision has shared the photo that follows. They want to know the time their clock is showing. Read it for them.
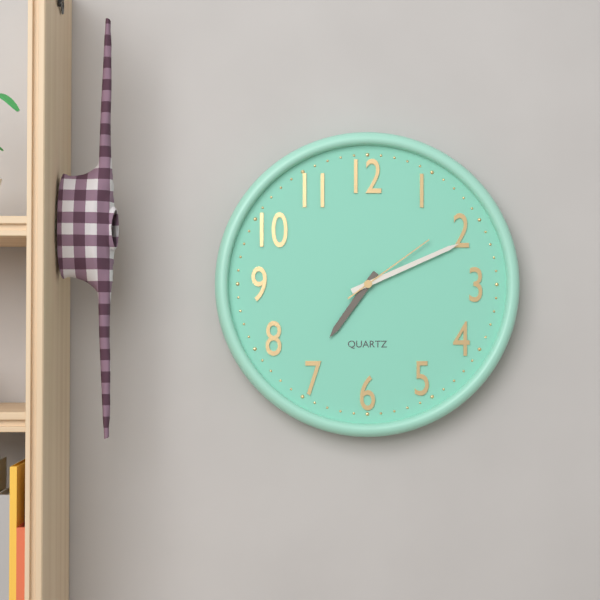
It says 7:11:09
